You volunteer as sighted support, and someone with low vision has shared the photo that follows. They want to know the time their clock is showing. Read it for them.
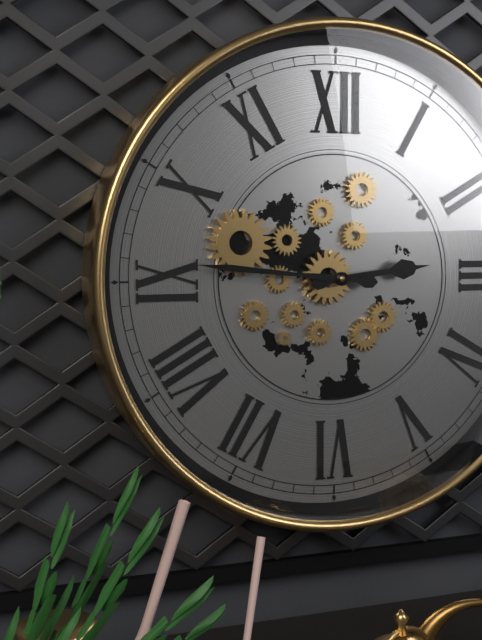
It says 2:46
